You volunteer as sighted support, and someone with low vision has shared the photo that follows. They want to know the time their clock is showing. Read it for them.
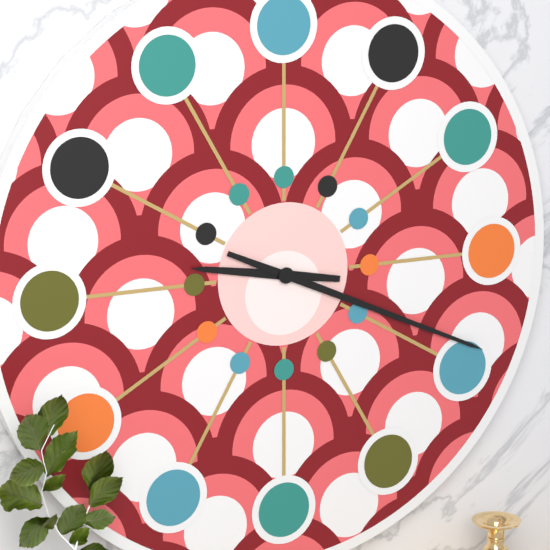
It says 9:19
